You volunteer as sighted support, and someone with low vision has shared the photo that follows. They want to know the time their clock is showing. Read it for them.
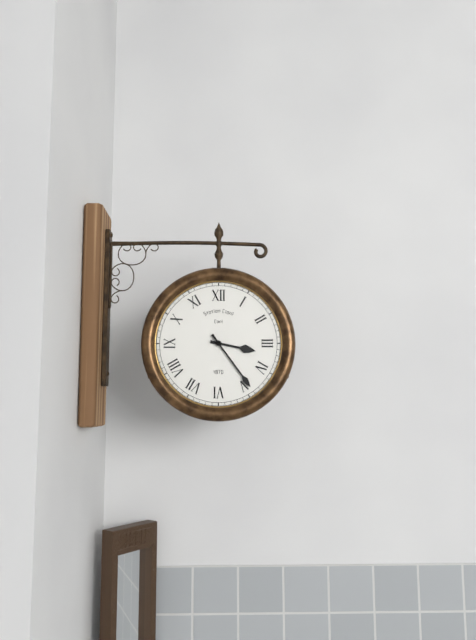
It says 3:24
